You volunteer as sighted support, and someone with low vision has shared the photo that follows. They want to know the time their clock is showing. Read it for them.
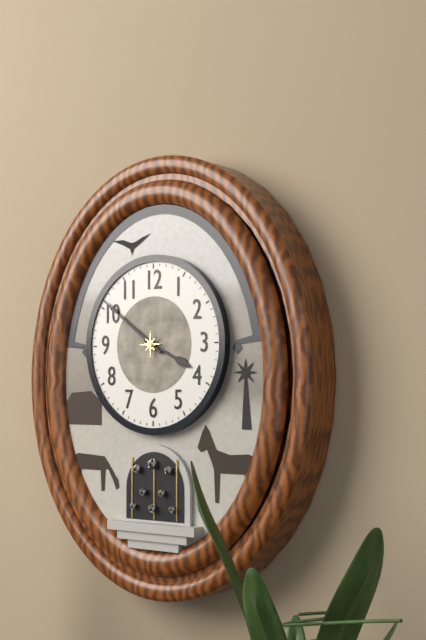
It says 3:51
